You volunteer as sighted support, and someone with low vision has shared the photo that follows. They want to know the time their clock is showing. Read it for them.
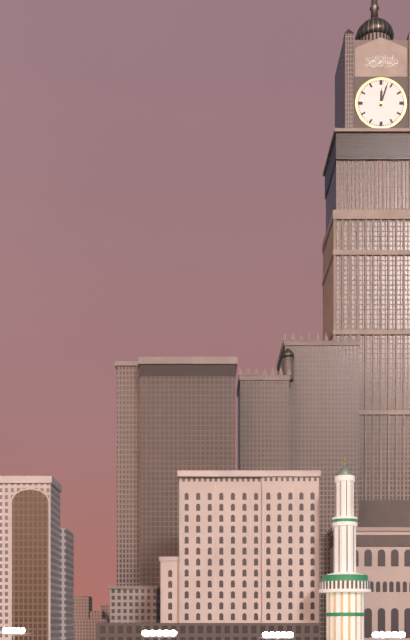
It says 12:03
